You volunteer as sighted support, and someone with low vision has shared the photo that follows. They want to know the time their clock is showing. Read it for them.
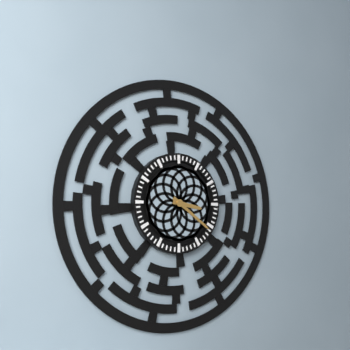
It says 3:21
